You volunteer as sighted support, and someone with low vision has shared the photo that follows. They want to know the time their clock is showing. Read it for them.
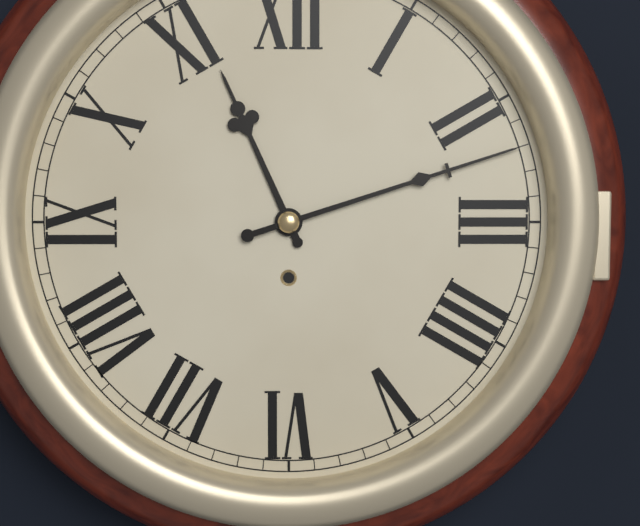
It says 11:12
